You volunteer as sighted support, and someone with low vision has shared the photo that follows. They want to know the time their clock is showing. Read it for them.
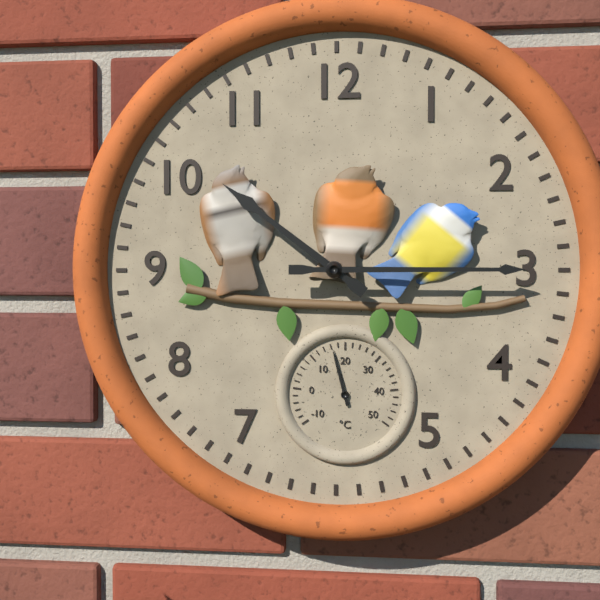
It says 10:15
